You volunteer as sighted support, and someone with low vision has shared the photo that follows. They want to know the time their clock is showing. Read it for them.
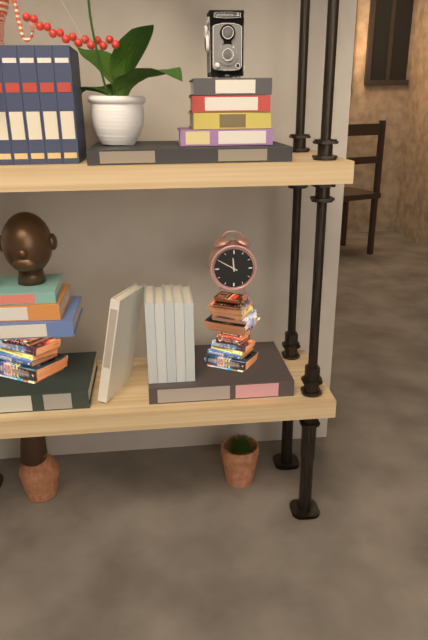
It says 11:50
